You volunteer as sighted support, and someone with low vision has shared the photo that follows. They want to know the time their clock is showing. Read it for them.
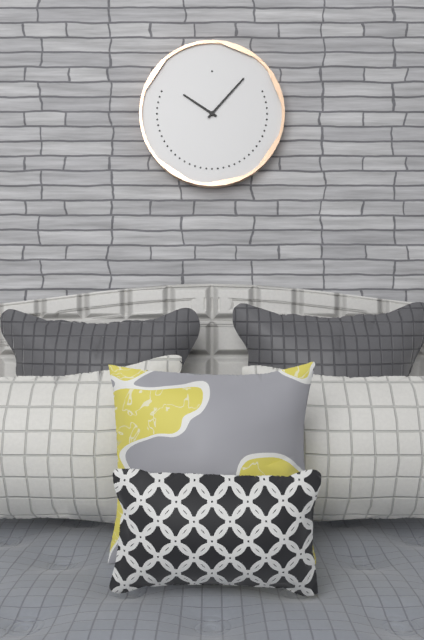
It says 10:07
